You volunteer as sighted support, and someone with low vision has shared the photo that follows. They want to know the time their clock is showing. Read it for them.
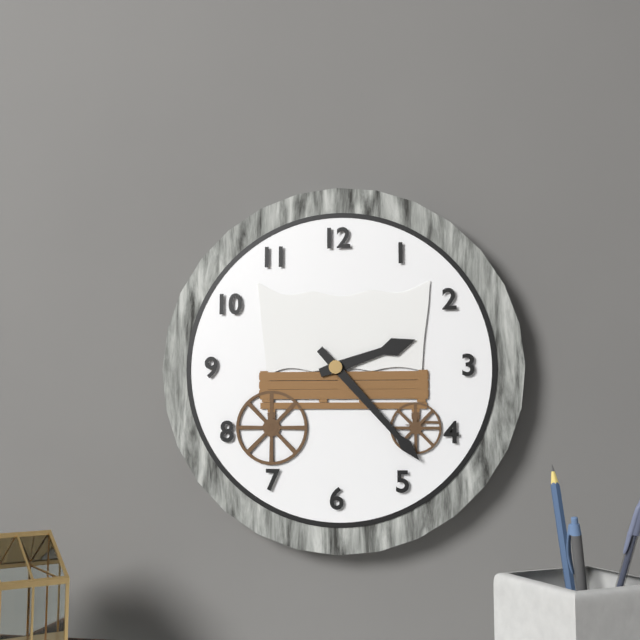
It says 2:23
